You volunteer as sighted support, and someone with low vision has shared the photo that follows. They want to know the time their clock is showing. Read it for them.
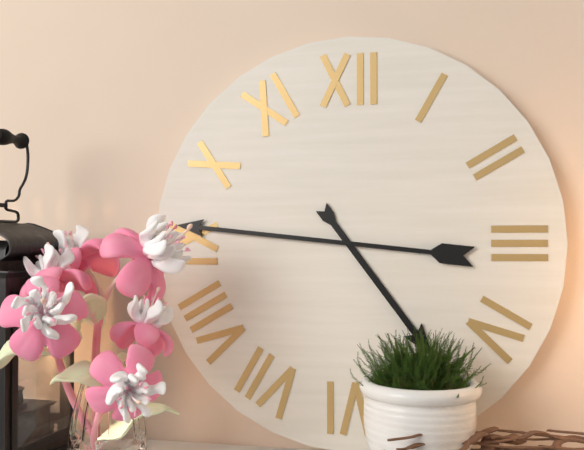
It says 4:46
